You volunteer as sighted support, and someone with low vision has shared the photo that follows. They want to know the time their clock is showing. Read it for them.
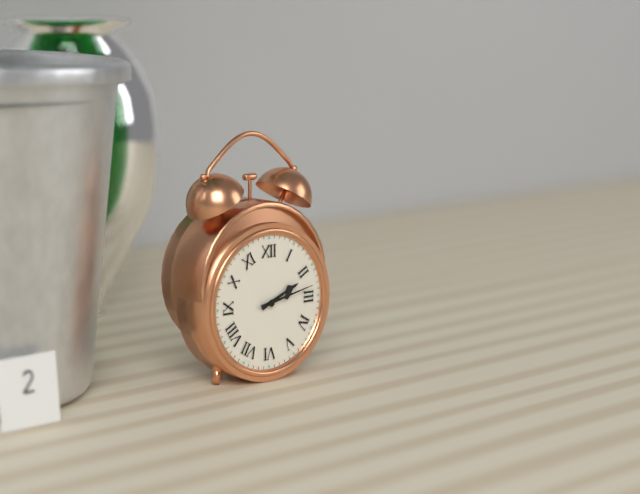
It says 2:13
